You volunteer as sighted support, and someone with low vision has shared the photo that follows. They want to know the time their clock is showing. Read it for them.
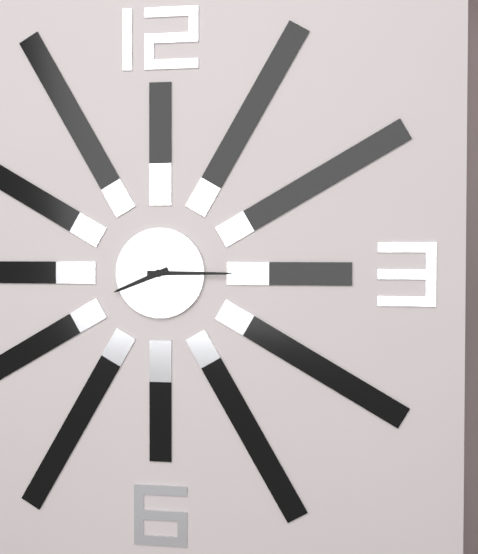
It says 8:15
